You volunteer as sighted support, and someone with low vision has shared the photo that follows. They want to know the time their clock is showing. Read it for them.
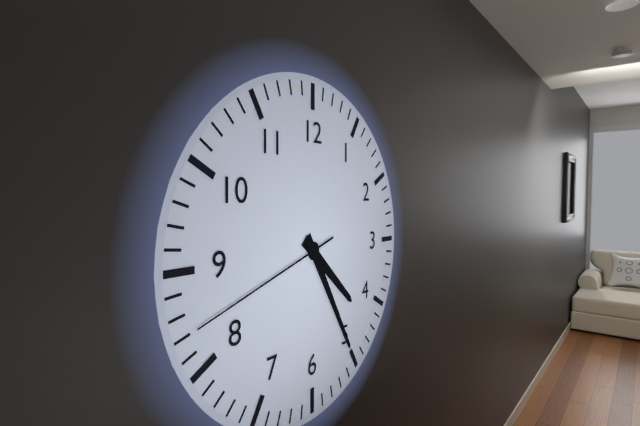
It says 4:25:42
